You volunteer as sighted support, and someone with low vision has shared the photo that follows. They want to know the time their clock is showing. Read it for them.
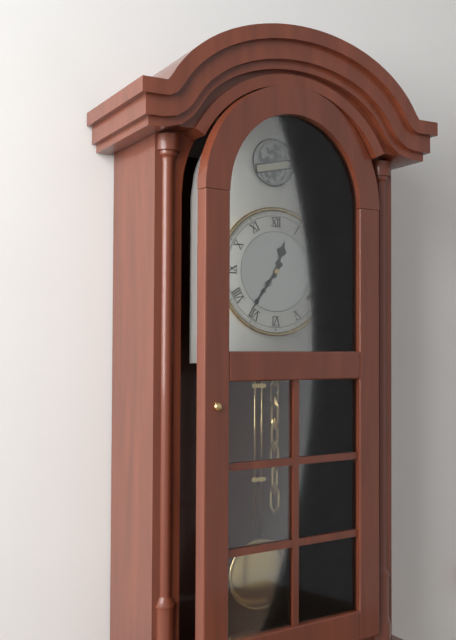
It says 12:36
